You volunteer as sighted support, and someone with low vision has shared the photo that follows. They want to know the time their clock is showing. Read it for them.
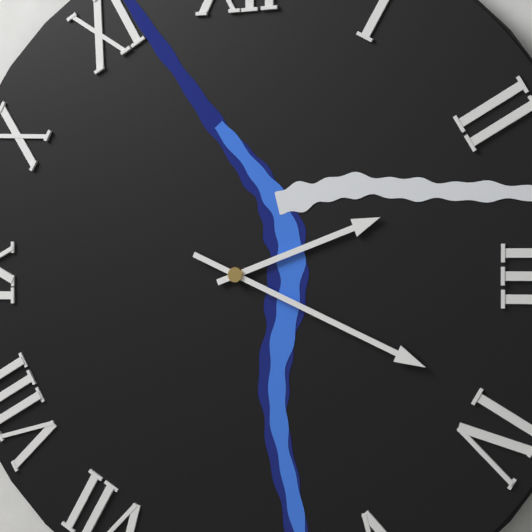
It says 2:19
